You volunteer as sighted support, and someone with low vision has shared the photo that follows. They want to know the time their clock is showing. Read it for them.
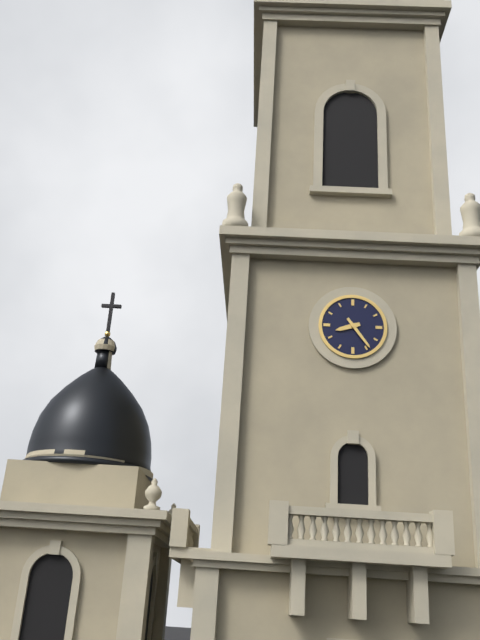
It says 8:24
